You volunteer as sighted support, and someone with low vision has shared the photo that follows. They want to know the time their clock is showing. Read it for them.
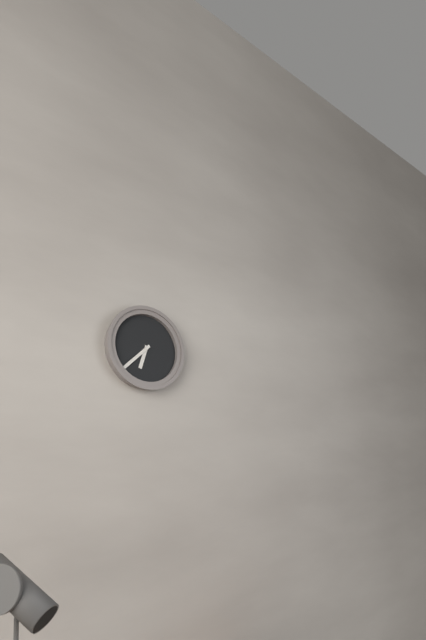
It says 6:38
